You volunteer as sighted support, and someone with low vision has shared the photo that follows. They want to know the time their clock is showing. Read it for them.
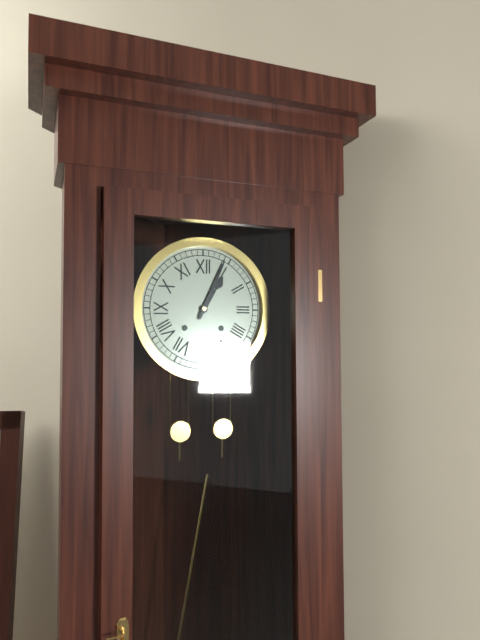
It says 1:04
